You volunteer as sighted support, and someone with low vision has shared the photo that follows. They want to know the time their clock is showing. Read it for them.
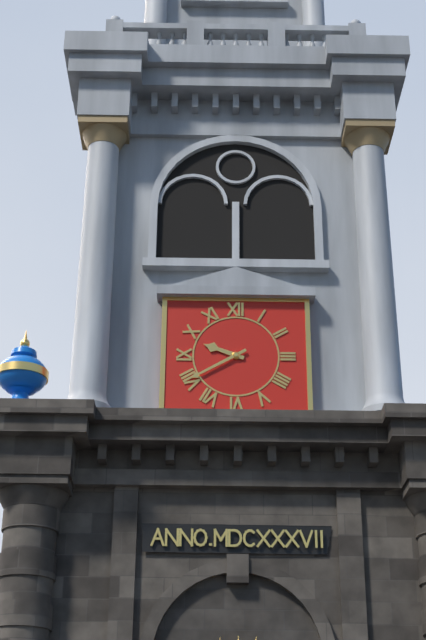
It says 9:40
